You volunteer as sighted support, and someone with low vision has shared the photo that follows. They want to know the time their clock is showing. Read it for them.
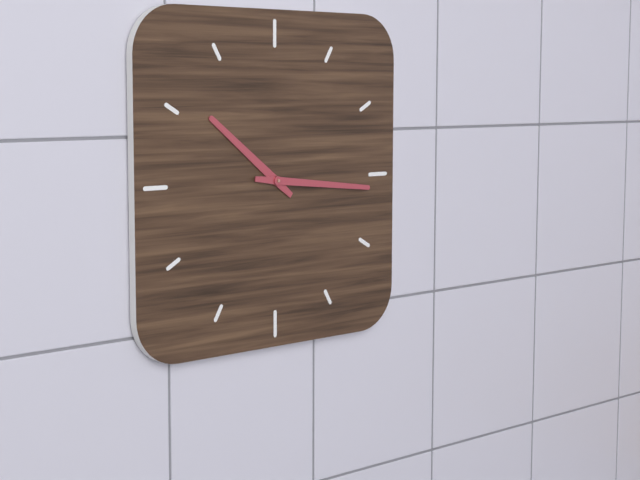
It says 10:16
